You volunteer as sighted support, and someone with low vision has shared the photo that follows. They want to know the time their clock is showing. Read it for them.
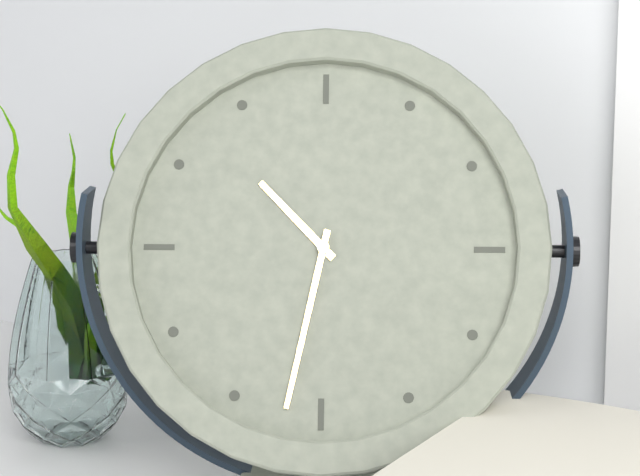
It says 10:32
